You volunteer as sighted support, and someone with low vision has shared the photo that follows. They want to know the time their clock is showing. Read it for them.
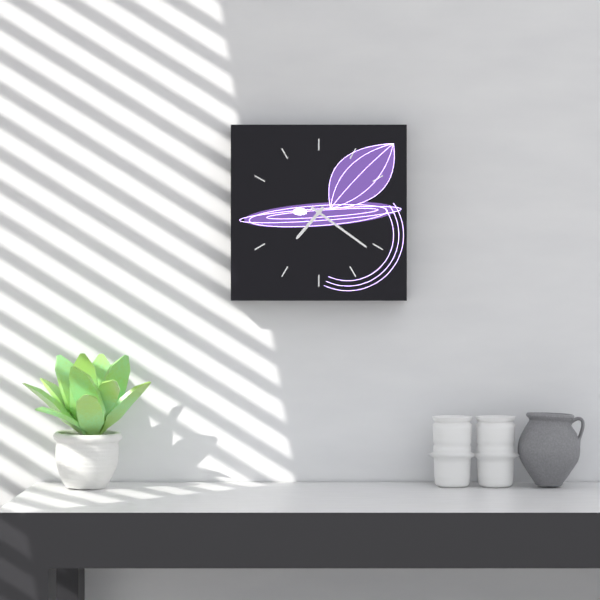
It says 7:21
